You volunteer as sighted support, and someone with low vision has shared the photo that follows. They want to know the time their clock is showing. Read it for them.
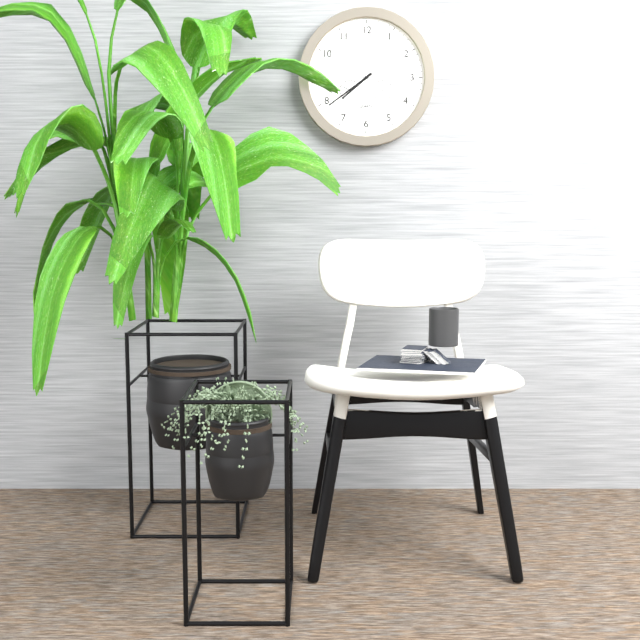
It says 7:39:15
